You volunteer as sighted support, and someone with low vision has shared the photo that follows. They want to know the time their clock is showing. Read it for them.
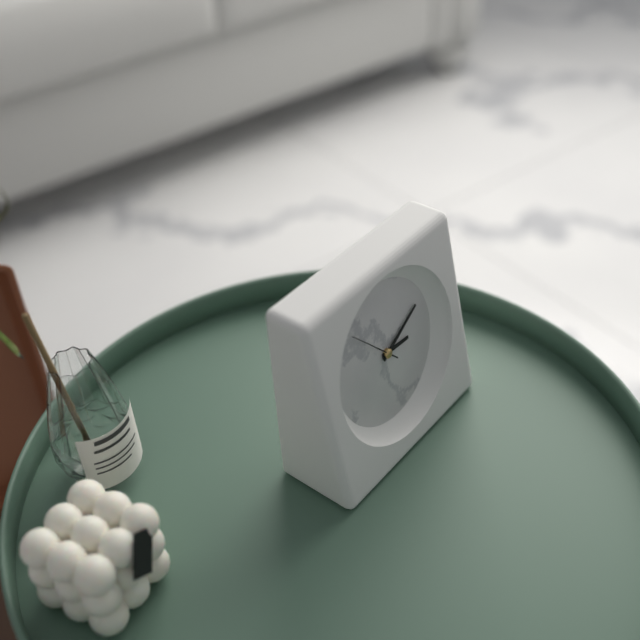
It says 3:11
